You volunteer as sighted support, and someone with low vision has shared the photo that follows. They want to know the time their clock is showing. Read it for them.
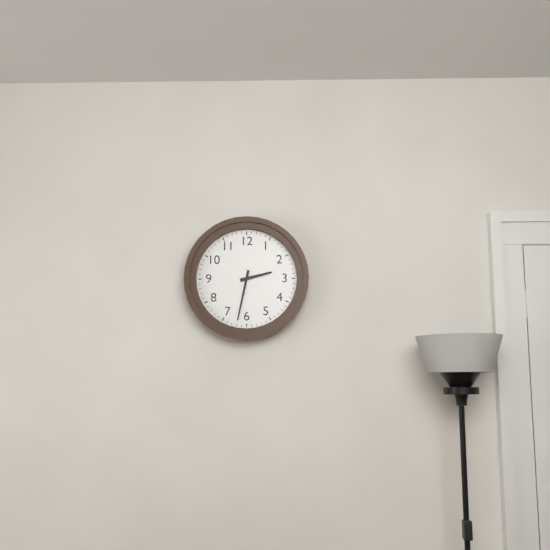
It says 2:32
